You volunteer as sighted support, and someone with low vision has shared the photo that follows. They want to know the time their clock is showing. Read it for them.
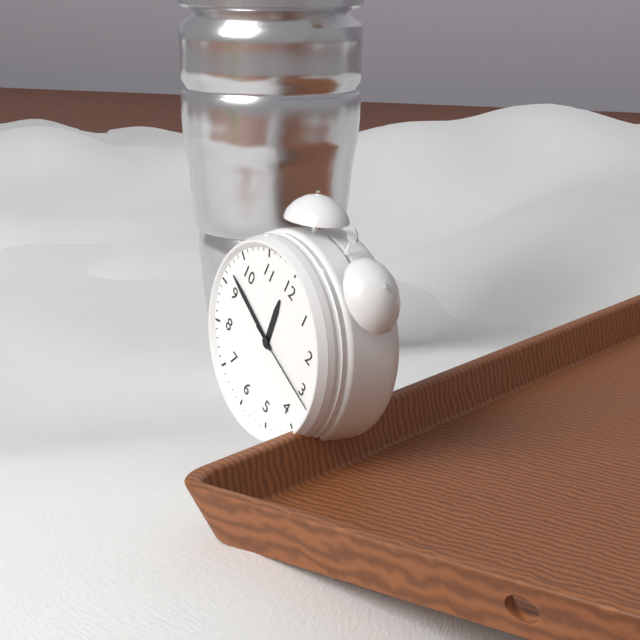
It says 11:47:16
